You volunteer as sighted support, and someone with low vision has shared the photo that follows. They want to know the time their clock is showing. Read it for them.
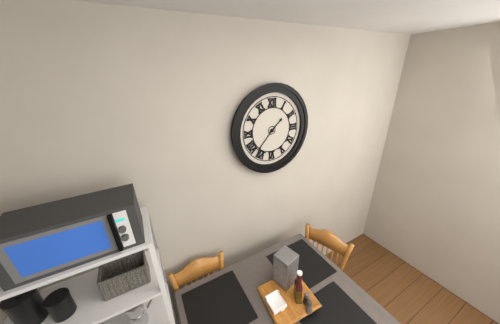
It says 1:37
